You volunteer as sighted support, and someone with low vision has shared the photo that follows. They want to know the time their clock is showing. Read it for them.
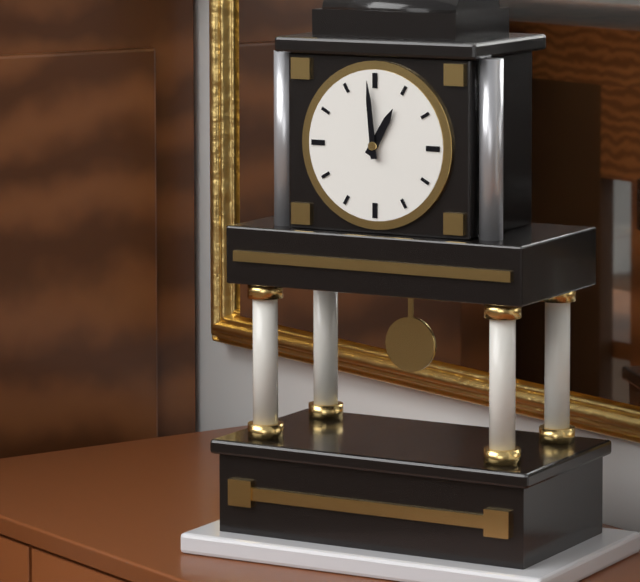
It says 12:59
